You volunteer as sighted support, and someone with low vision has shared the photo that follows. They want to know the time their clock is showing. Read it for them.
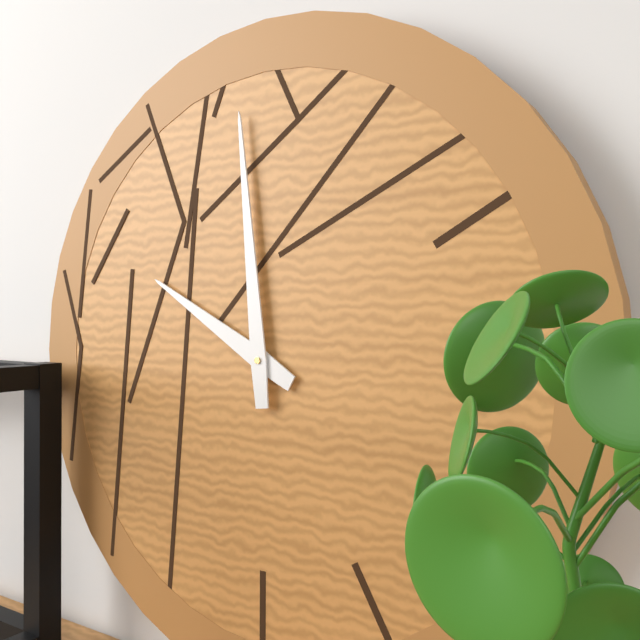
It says 9:59
